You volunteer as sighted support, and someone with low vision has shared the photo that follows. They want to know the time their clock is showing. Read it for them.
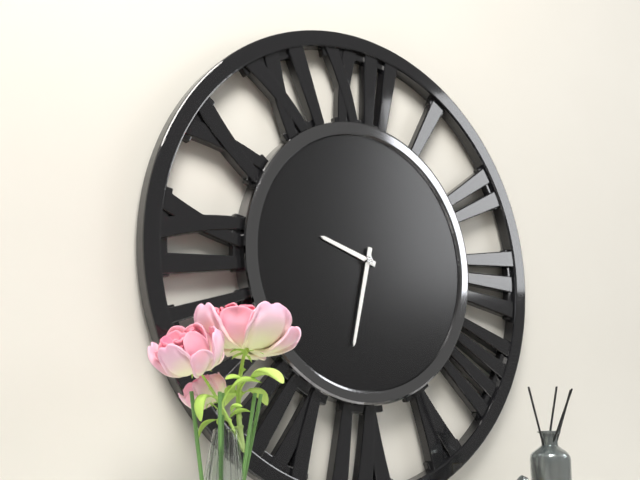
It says 9:32
